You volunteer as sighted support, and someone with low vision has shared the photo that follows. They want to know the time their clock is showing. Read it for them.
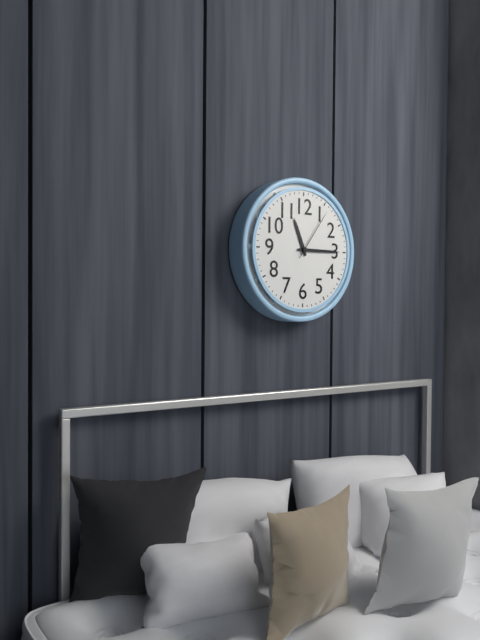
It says 11:15:06
